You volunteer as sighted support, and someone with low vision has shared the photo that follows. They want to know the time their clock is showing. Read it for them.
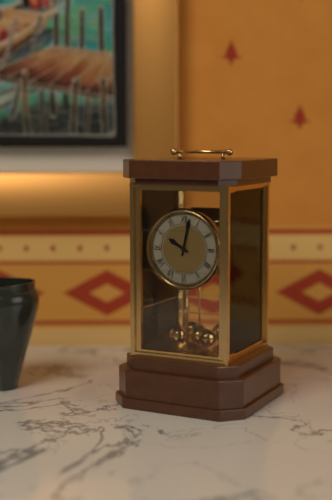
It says 10:02
